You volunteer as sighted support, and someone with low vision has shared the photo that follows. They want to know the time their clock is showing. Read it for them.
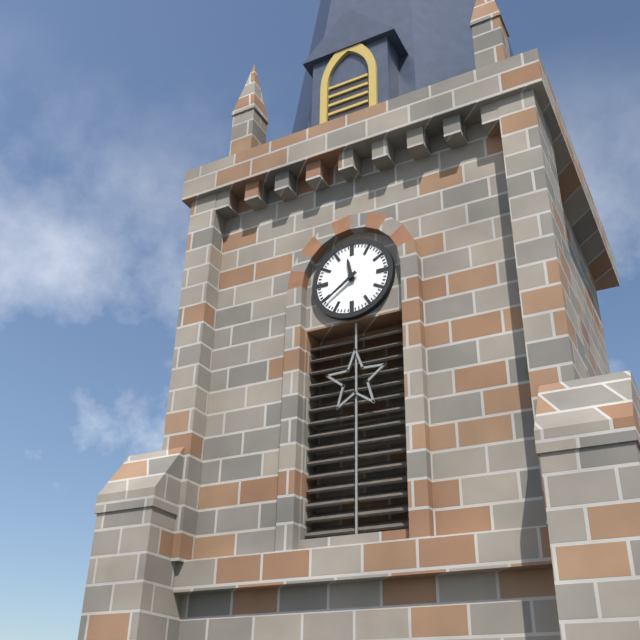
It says 11:39
